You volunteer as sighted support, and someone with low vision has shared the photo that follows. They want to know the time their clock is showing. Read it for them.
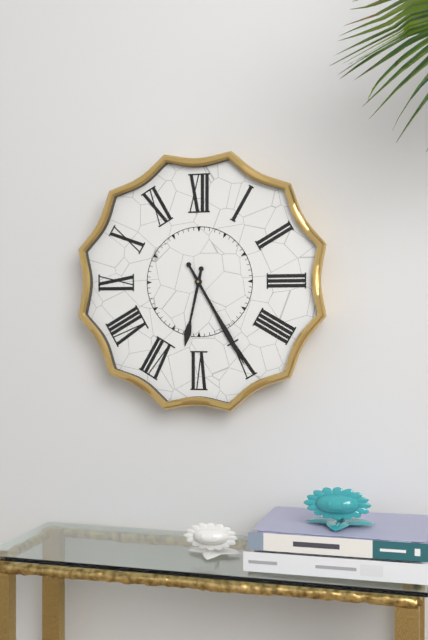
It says 6:25
